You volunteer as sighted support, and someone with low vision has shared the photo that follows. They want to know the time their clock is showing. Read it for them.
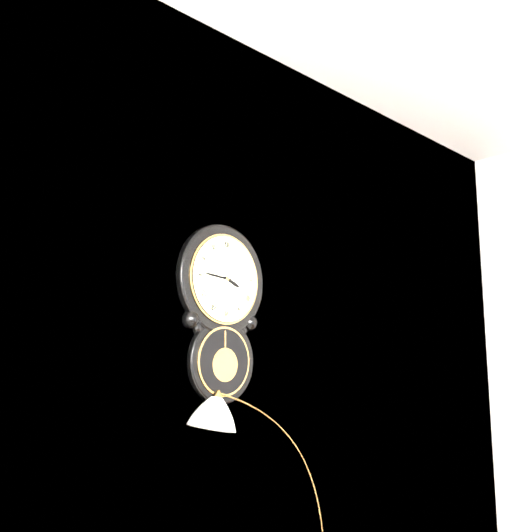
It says 3:46
